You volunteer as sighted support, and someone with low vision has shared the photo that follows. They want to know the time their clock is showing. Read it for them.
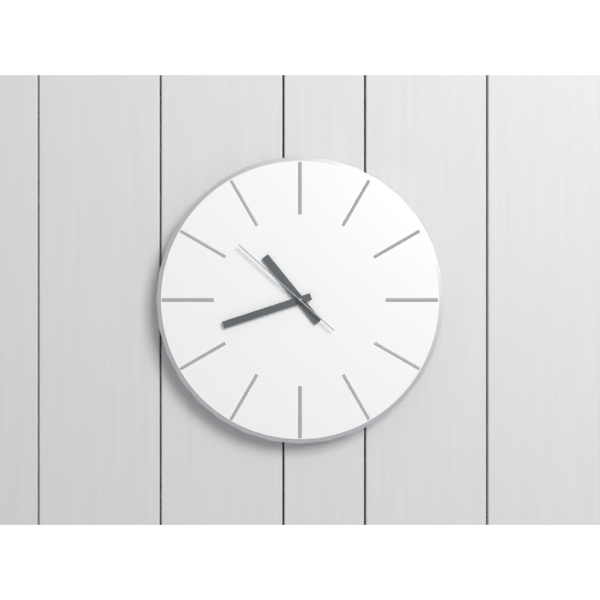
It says 10:42:52
